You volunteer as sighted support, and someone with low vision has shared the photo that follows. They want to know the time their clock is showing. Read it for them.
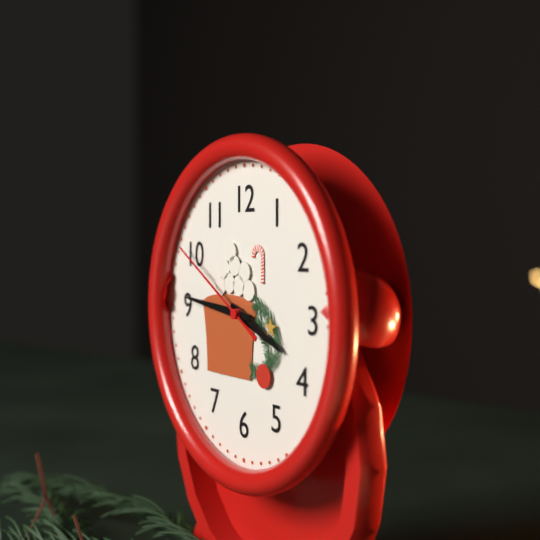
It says 3:46:50
